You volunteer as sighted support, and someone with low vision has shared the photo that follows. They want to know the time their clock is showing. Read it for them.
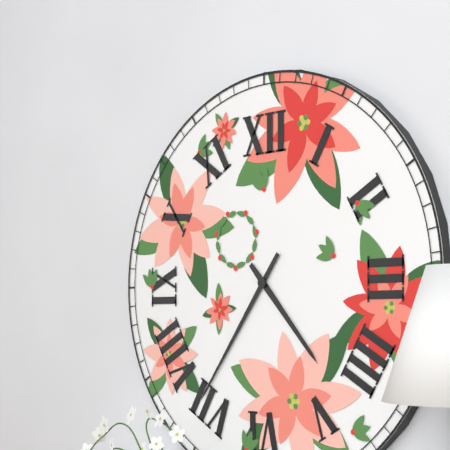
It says 4:36
